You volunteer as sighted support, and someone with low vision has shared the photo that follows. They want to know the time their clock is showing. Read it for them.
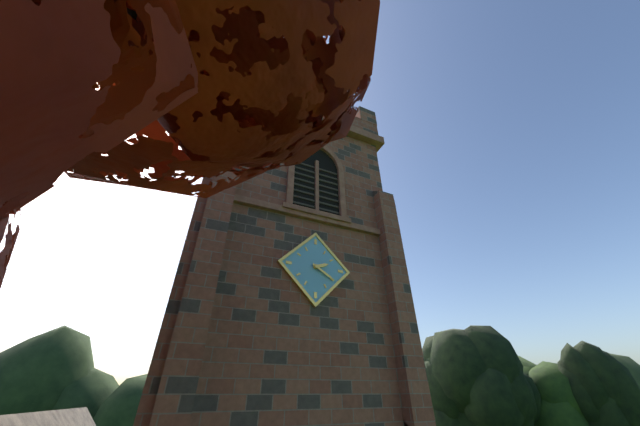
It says 2:20
